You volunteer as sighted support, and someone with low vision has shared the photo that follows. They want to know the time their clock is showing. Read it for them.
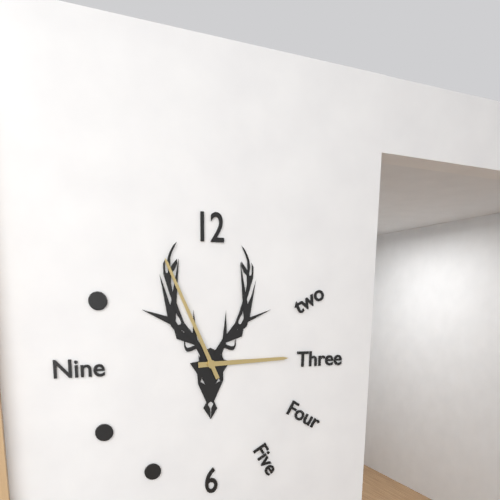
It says 2:56
